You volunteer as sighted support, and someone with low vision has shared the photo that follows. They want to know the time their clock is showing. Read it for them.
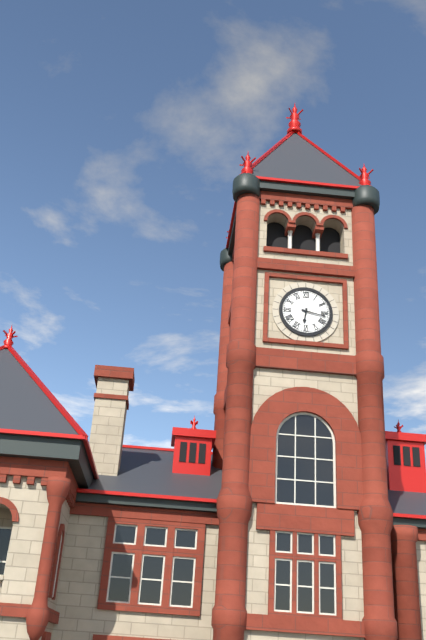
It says 6:17
